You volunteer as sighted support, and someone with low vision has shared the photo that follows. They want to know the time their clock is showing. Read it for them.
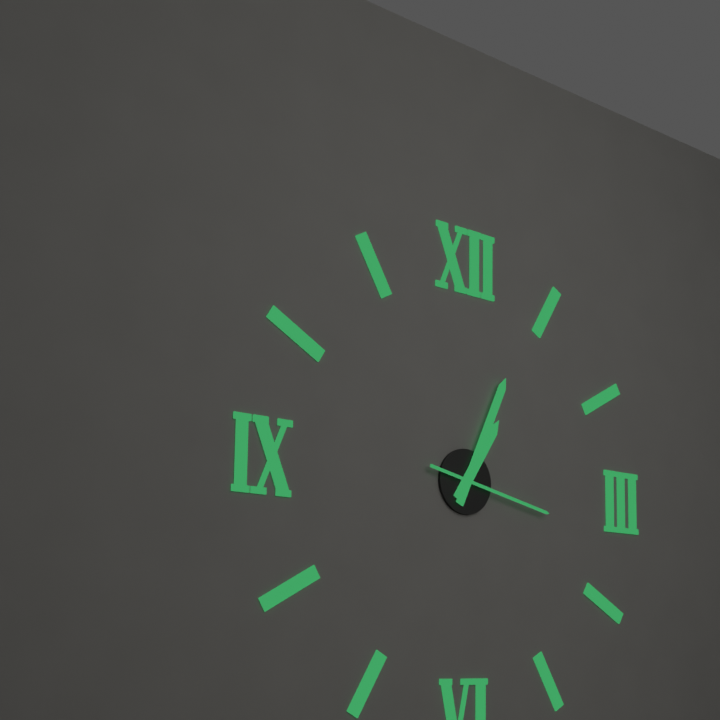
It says 1:04:17
